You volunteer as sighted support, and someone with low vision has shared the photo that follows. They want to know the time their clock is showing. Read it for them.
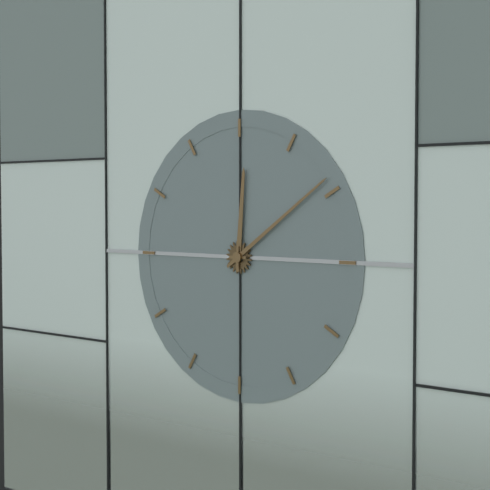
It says 12:09
